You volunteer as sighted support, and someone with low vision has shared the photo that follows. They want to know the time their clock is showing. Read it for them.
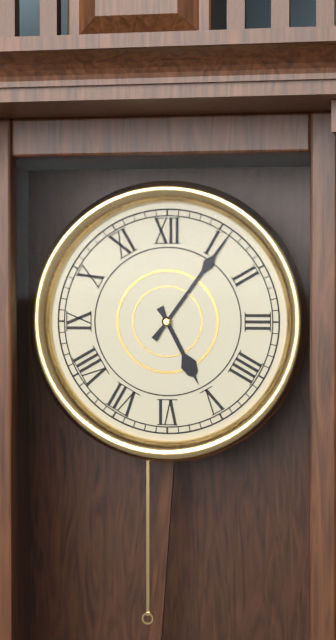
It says 5:06
